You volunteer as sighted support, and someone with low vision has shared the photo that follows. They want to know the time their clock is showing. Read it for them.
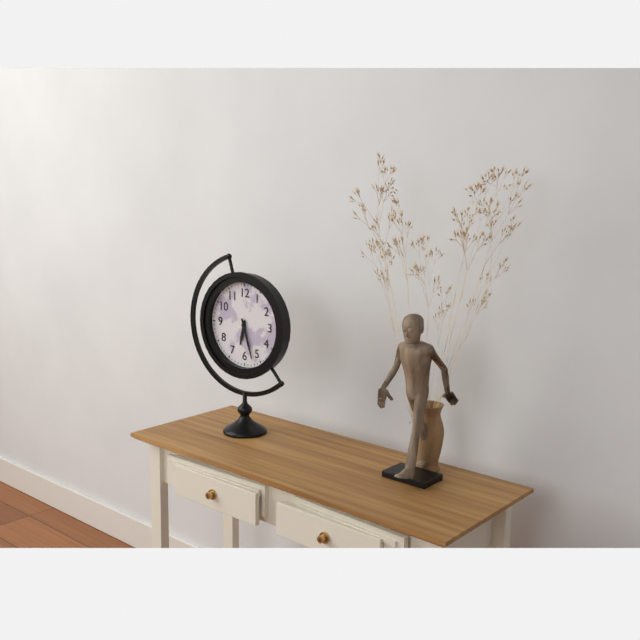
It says 6:27
